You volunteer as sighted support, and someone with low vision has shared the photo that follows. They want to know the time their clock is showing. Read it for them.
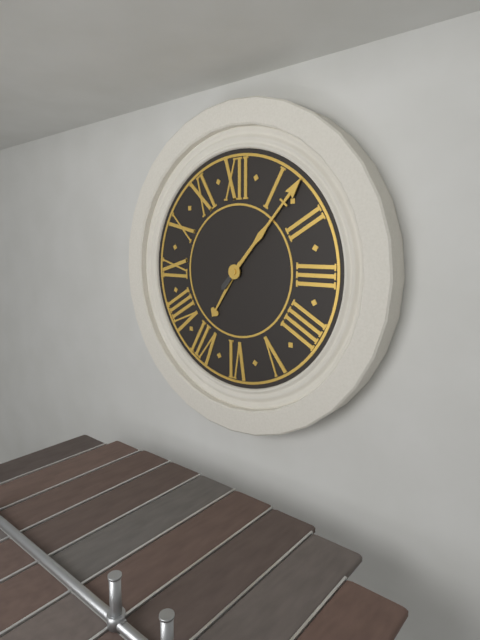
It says 7:07
